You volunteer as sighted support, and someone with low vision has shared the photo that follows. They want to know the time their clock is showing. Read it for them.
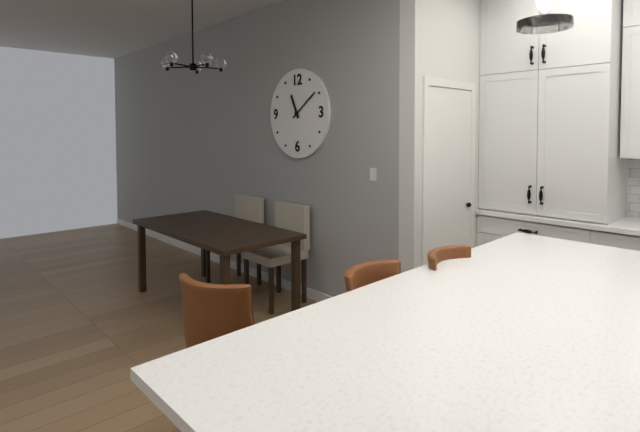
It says 11:09
